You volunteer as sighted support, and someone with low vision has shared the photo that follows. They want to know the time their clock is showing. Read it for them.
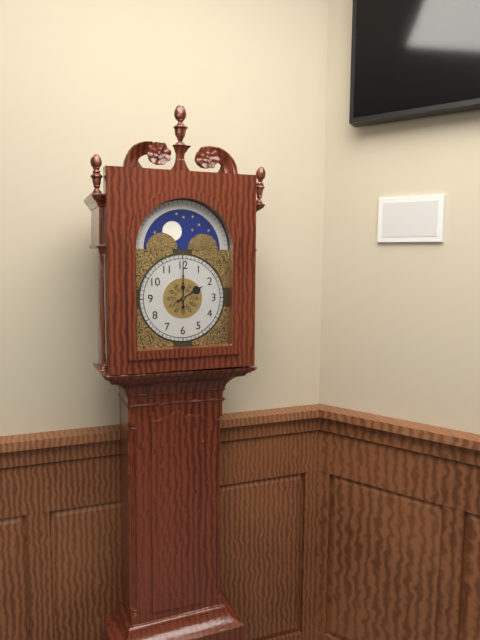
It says 2:00
